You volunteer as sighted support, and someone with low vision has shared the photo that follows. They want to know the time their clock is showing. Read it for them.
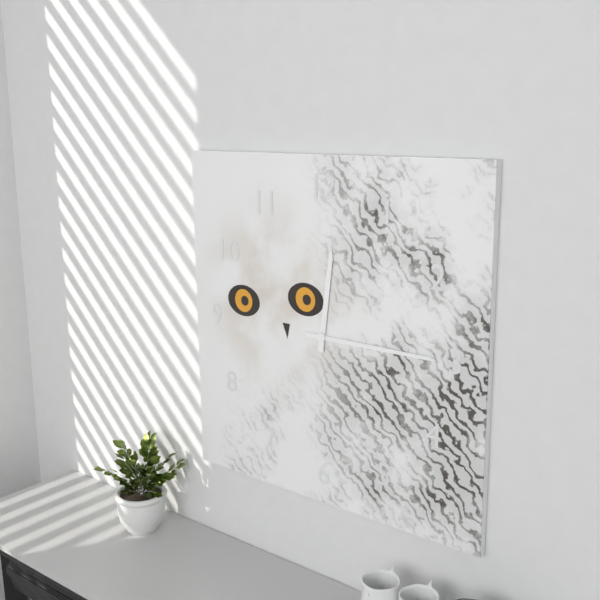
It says 12:15
